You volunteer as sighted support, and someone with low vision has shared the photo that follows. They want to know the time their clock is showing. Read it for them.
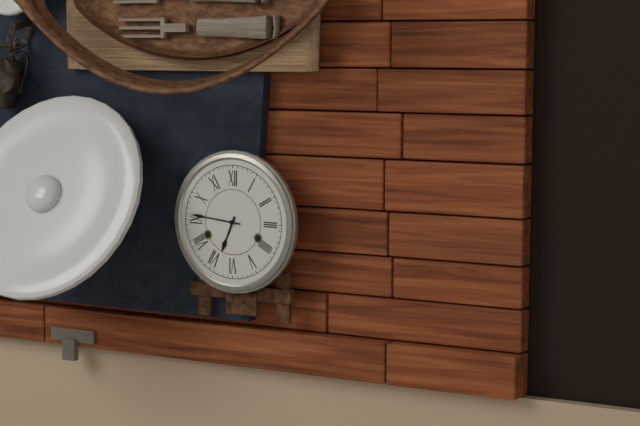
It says 6:46
